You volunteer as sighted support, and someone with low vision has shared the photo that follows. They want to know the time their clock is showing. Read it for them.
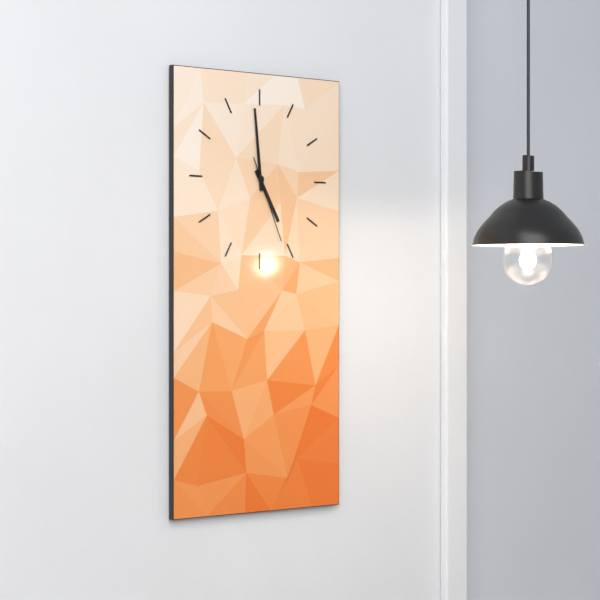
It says 4:59:26
